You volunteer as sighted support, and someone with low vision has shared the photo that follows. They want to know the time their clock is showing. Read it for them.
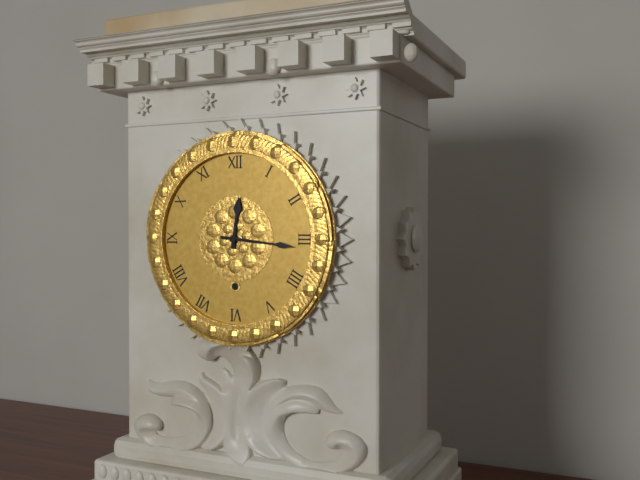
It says 12:16
